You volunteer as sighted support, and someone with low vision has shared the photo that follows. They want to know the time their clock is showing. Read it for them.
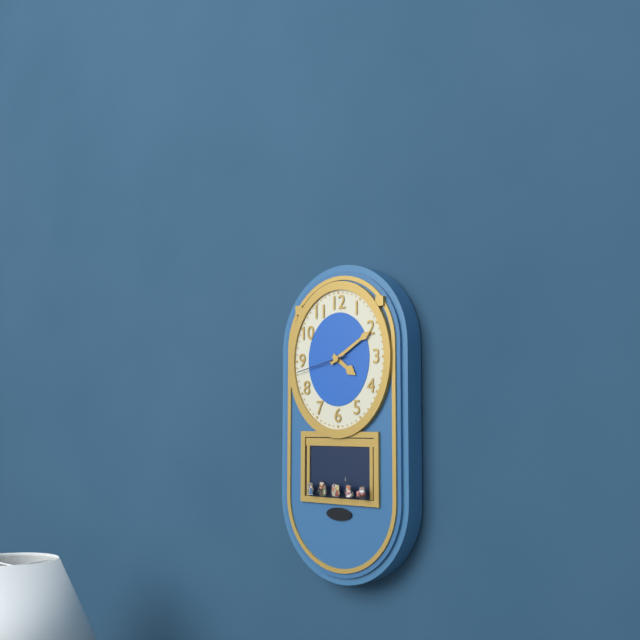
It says 4:10:43
